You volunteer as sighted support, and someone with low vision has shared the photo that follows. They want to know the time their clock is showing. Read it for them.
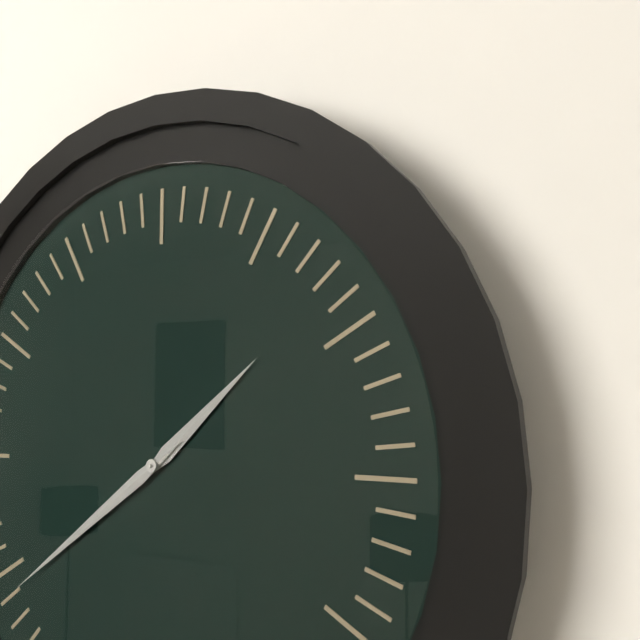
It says 1:39
